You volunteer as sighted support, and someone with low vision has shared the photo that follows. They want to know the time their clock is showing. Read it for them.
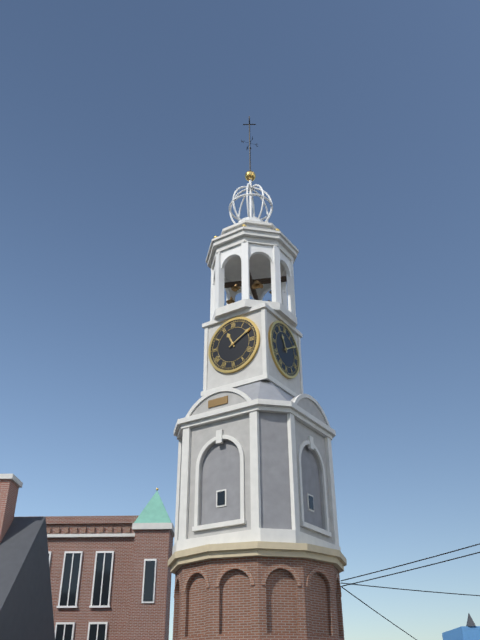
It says 11:10
